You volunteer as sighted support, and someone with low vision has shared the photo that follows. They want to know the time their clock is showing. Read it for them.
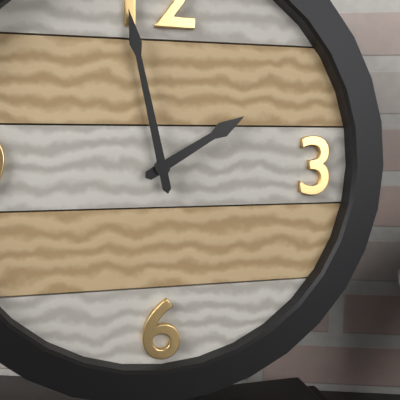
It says 1:58
